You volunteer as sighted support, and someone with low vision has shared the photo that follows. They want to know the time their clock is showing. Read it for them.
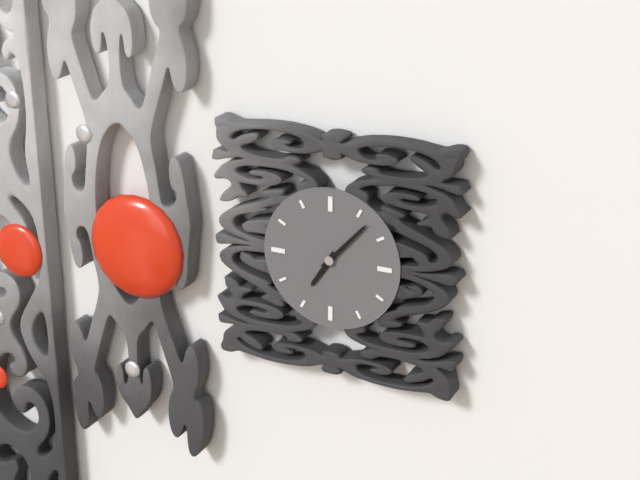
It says 7:07
